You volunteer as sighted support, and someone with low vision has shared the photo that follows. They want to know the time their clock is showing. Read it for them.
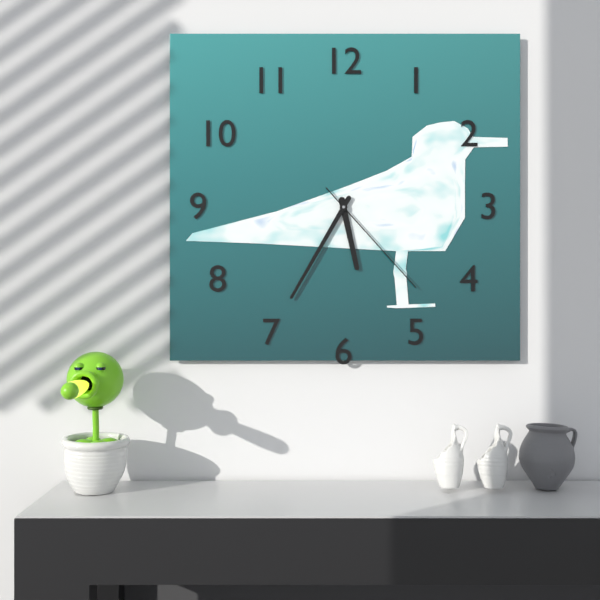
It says 5:35:23
